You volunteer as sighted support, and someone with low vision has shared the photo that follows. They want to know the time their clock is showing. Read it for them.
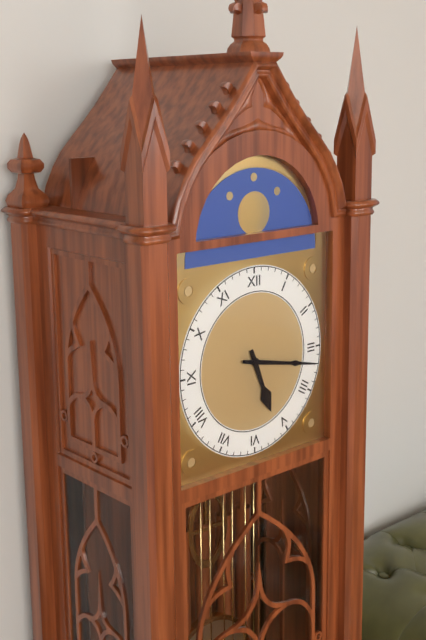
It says 5:17
